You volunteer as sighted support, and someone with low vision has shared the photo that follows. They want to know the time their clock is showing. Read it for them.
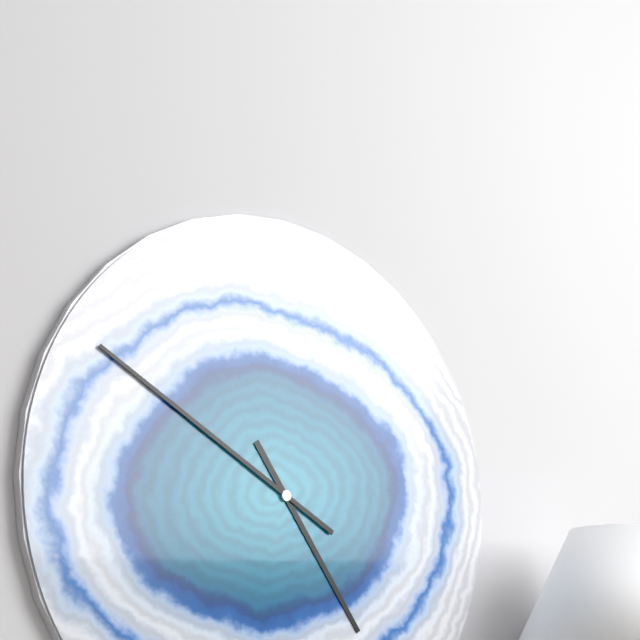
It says 4:50
